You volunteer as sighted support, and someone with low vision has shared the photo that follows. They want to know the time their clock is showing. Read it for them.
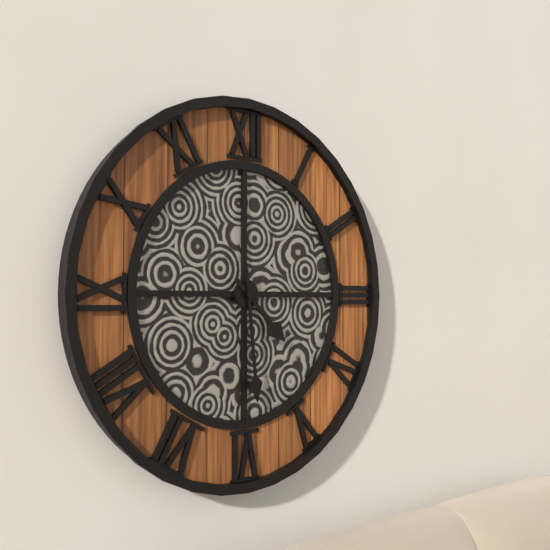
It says 4:29
